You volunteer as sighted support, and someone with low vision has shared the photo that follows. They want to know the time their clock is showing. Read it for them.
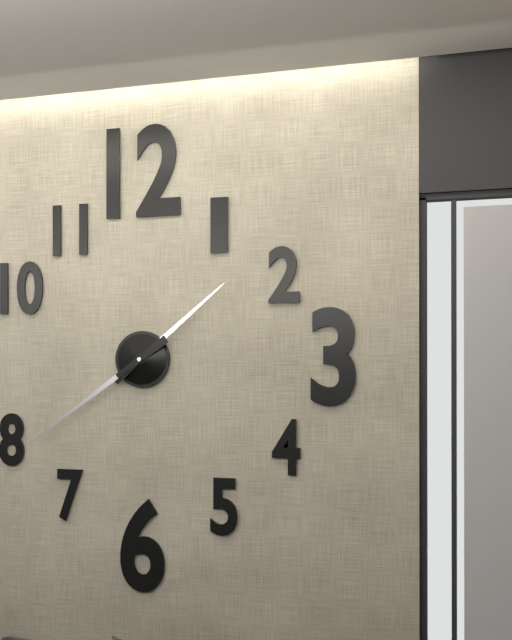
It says 1:39
